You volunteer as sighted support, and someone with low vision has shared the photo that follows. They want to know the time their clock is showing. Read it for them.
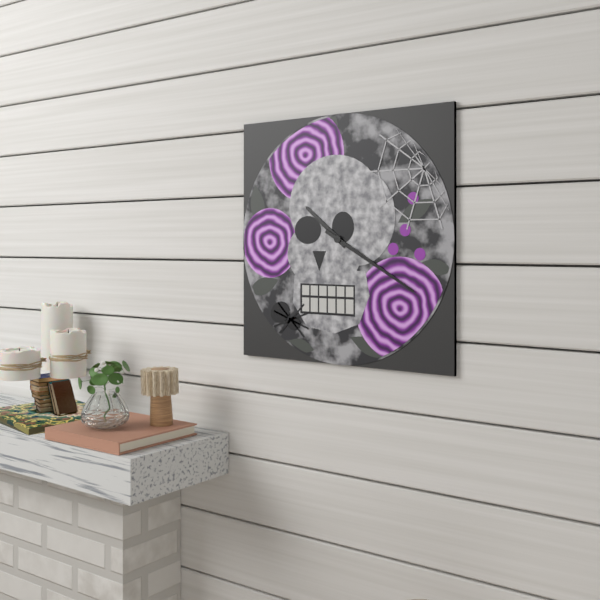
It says 10:20
